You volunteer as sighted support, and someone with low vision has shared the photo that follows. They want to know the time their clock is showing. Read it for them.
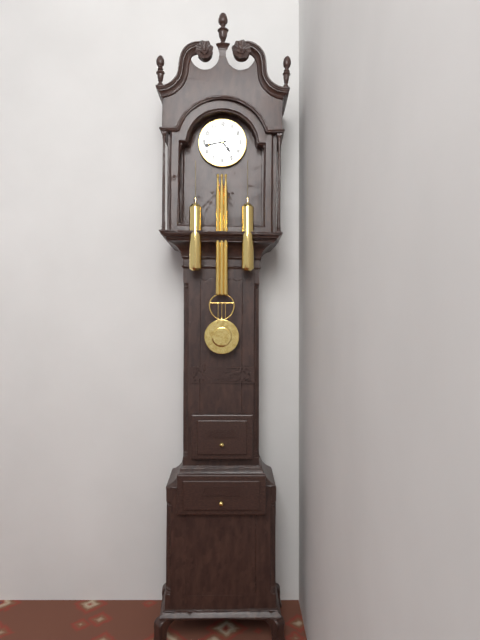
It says 4:43
